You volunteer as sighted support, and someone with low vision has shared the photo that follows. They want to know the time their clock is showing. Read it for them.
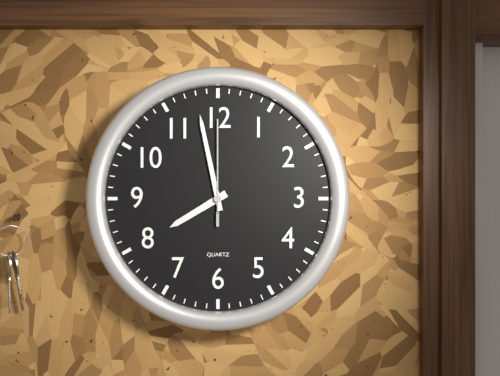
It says 7:58:00
